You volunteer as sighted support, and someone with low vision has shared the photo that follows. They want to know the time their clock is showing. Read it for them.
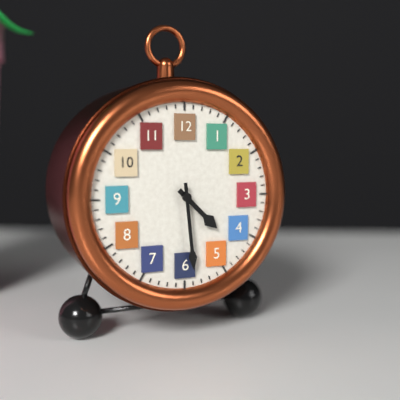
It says 4:29
